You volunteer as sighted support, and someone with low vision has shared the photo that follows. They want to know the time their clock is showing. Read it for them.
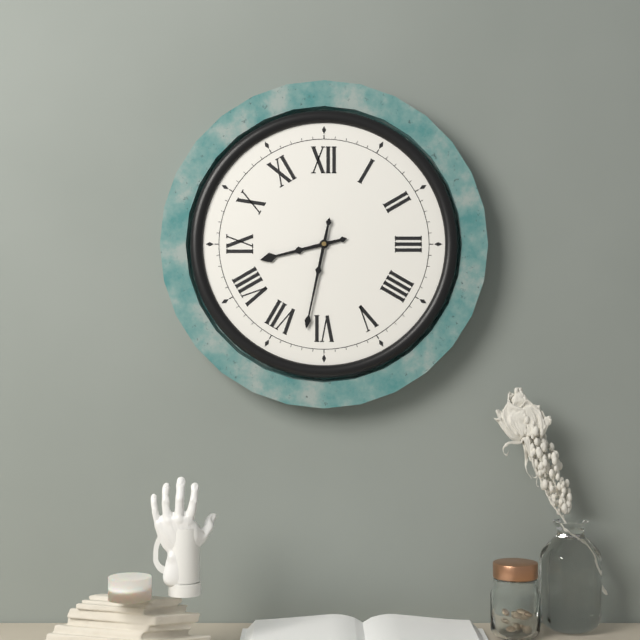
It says 8:32
